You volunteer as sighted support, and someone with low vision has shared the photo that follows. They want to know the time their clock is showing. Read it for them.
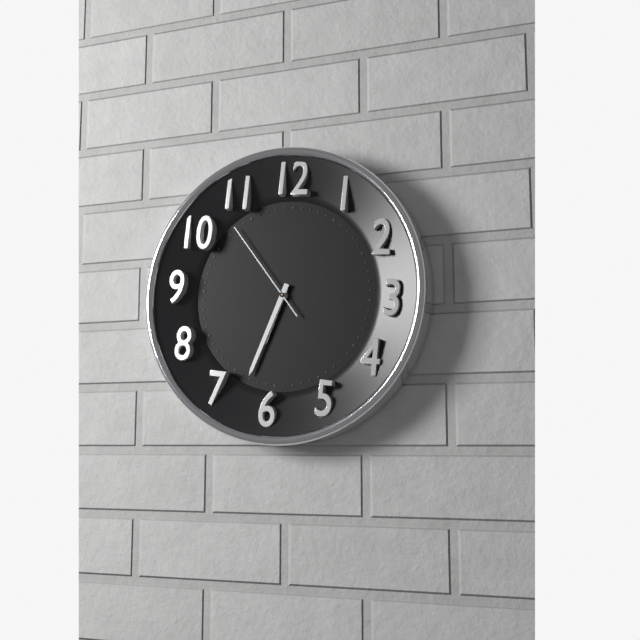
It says 6:33:53
